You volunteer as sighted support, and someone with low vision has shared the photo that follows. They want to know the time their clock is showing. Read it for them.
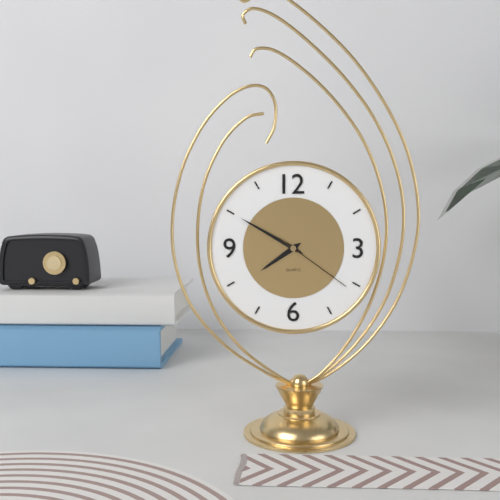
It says 7:50:21
